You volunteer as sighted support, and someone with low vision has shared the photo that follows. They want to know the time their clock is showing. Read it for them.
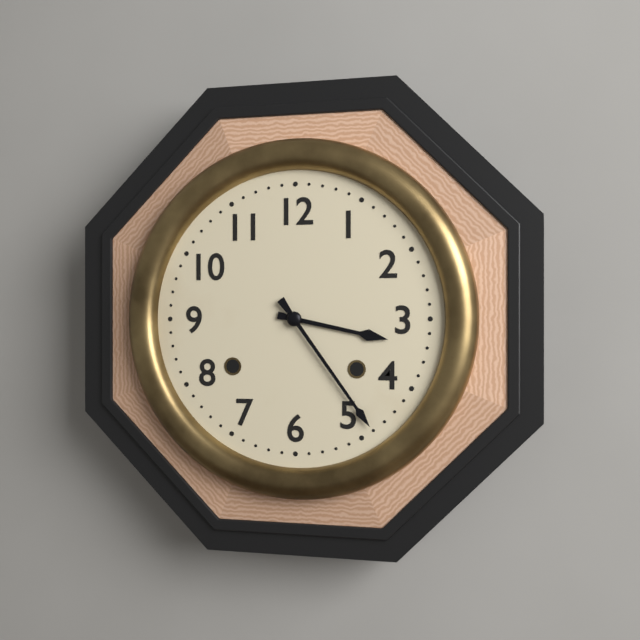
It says 3:24
